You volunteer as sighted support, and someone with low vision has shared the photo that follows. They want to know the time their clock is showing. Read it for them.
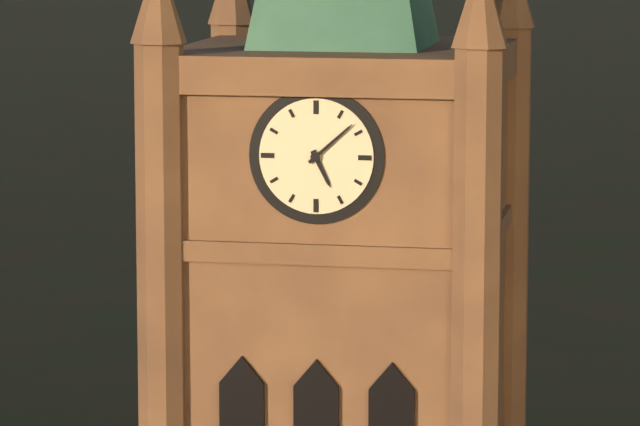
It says 5:08
